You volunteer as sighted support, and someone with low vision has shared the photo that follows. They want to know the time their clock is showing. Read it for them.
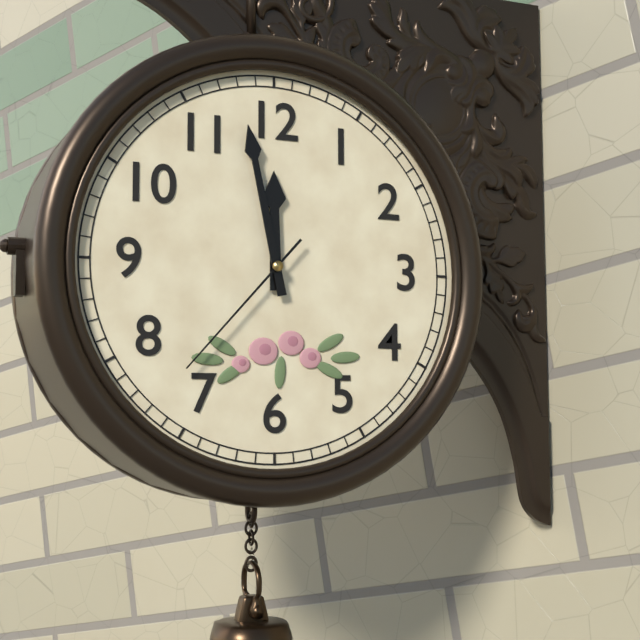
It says 11:58:37
